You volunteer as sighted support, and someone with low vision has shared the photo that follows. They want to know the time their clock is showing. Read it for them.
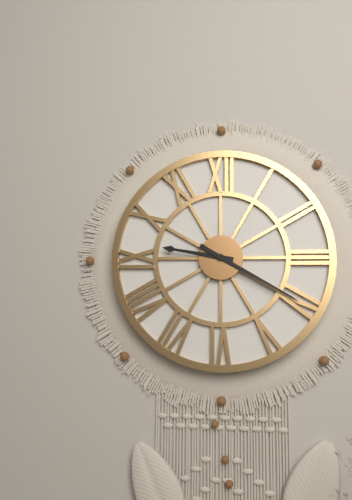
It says 9:20
